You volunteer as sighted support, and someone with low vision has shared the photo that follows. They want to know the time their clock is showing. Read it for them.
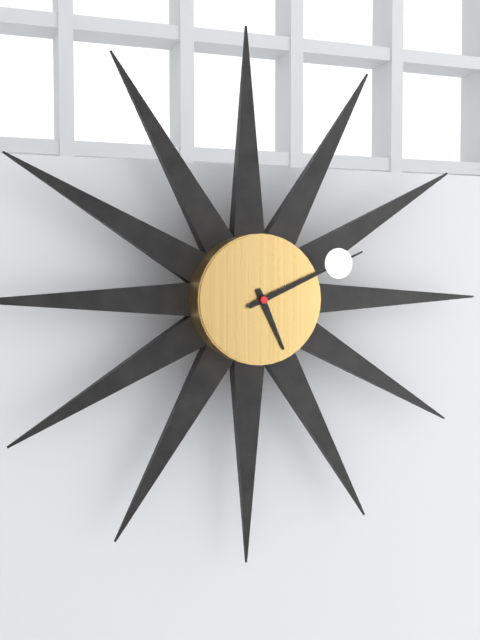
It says 5:11
